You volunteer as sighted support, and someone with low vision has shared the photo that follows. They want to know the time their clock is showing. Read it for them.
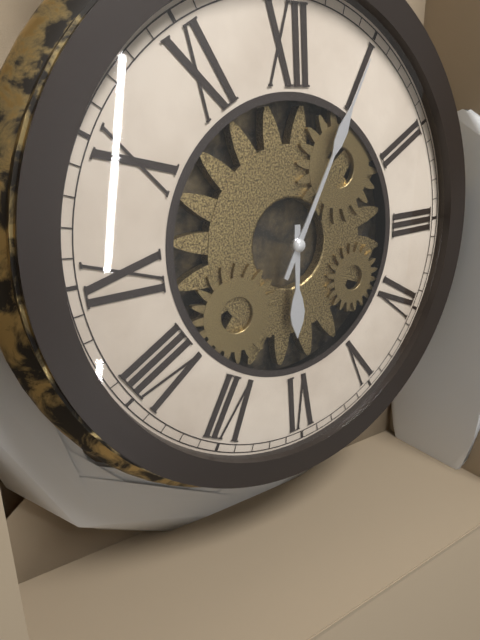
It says 6:05
